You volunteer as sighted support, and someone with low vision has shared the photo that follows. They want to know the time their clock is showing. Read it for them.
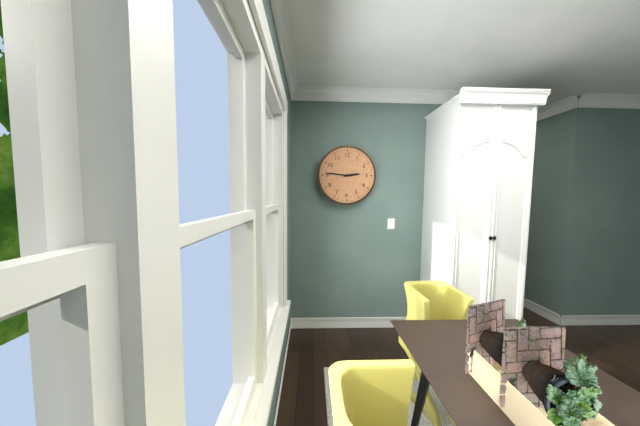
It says 2:46
